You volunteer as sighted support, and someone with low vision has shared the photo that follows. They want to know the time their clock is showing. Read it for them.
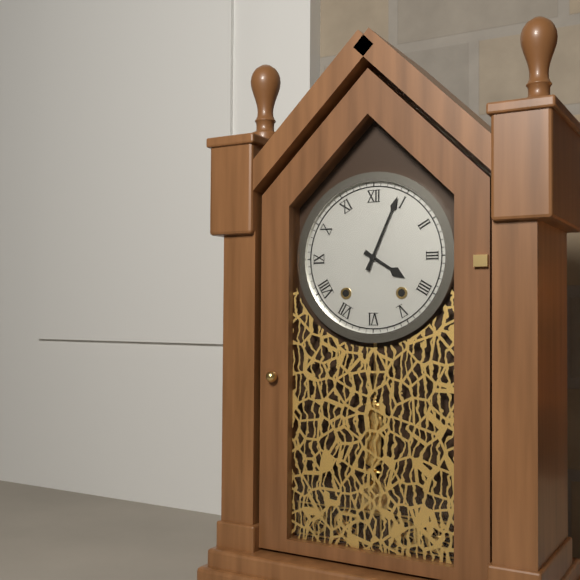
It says 4:04
